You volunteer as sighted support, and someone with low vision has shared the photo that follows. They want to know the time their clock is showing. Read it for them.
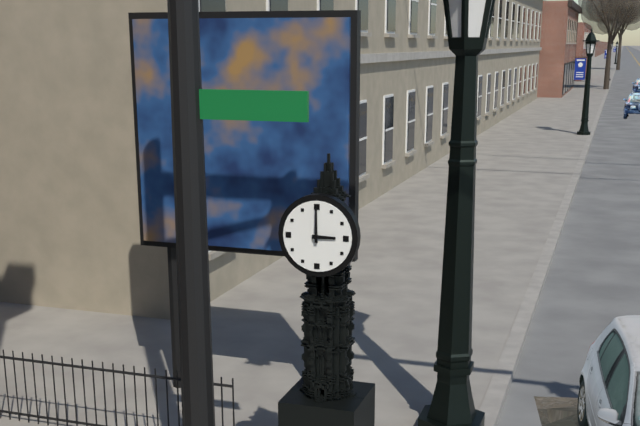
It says 3:00
